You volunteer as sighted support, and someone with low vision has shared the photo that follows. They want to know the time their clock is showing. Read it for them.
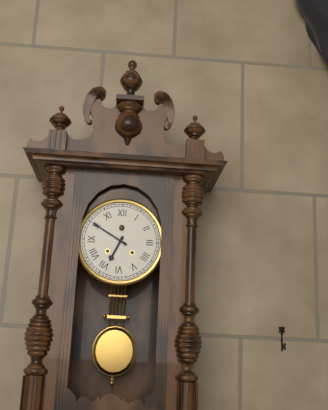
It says 6:50
